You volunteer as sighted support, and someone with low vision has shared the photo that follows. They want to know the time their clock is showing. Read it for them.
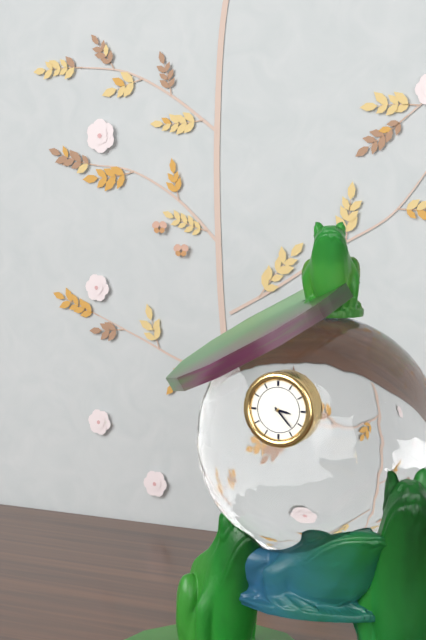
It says 3:23
